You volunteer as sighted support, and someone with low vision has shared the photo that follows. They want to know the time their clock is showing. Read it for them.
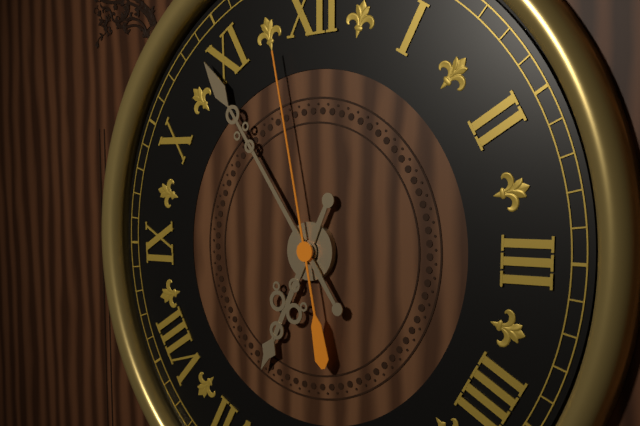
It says 6:54:58
